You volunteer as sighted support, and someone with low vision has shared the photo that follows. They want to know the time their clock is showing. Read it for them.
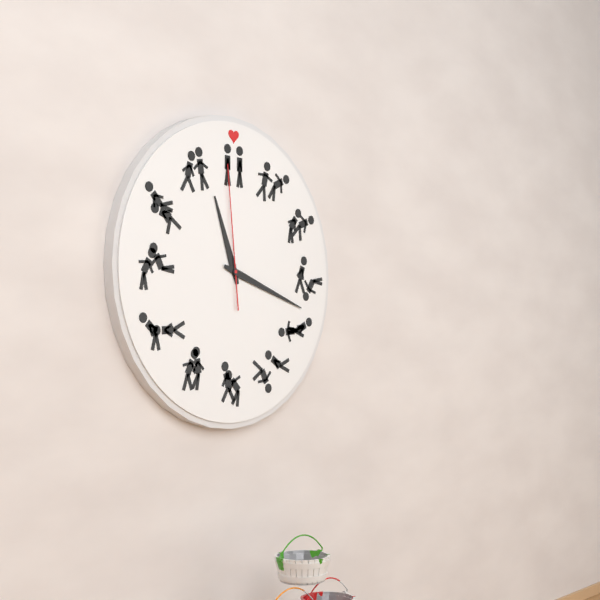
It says 11:18:59
